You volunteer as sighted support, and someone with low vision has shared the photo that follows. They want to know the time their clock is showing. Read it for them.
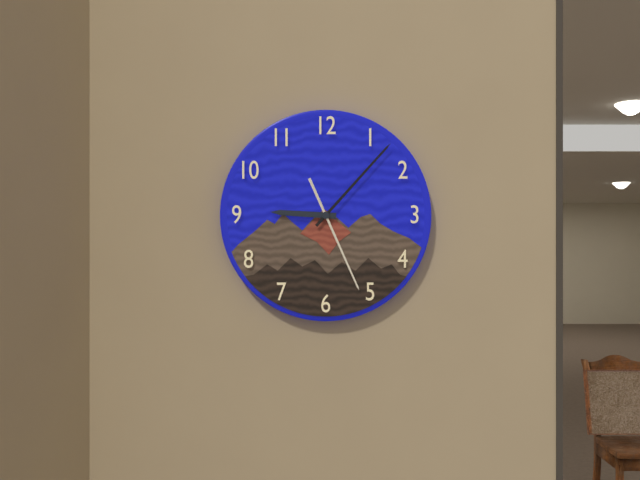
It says 9:07:26
